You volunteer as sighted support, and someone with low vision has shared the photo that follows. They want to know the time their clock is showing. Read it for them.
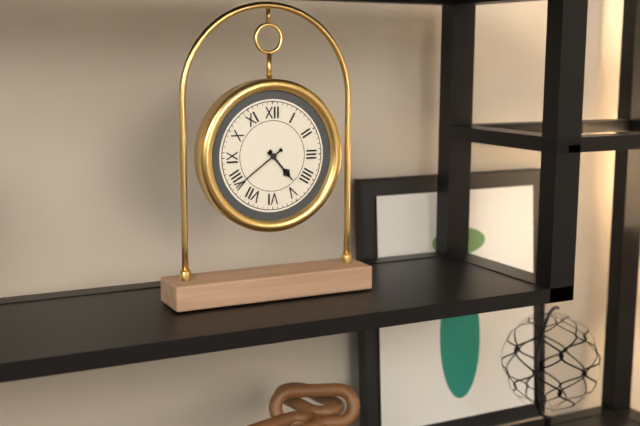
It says 4:39
